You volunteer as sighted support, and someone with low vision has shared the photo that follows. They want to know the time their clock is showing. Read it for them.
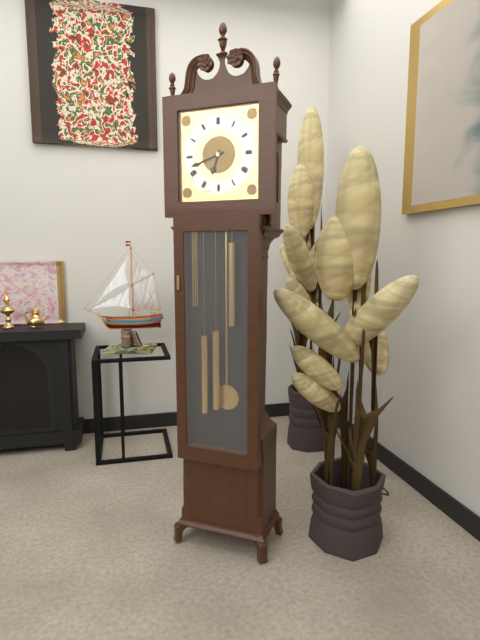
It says 6:42
